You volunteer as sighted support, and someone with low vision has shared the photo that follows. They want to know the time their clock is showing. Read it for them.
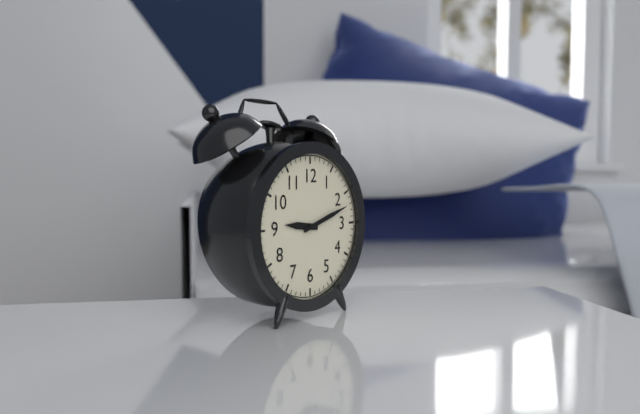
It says 9:12
